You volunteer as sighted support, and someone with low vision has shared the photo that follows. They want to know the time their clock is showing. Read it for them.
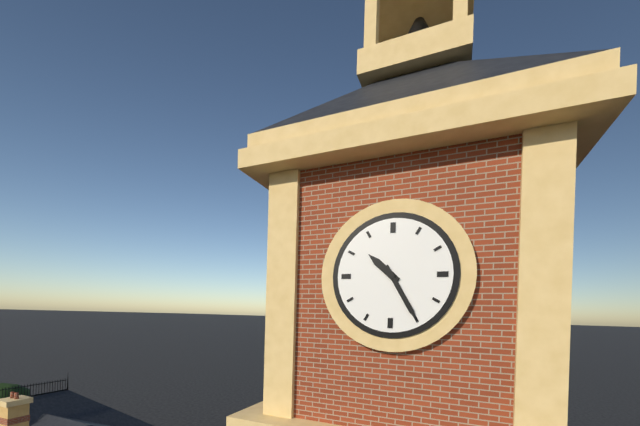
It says 10:25
